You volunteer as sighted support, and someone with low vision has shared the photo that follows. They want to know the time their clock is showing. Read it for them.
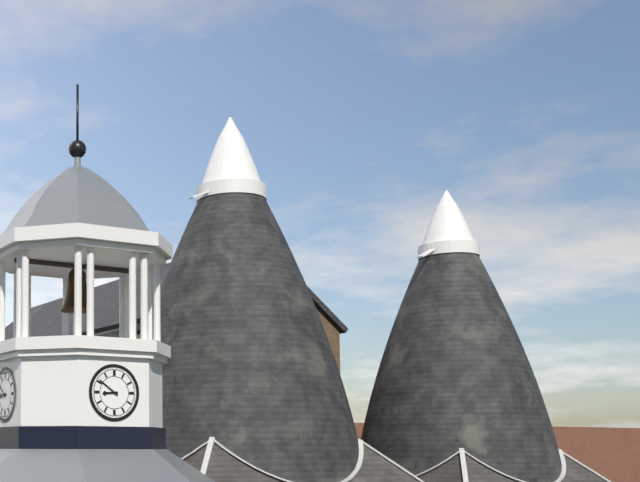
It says 8:51
